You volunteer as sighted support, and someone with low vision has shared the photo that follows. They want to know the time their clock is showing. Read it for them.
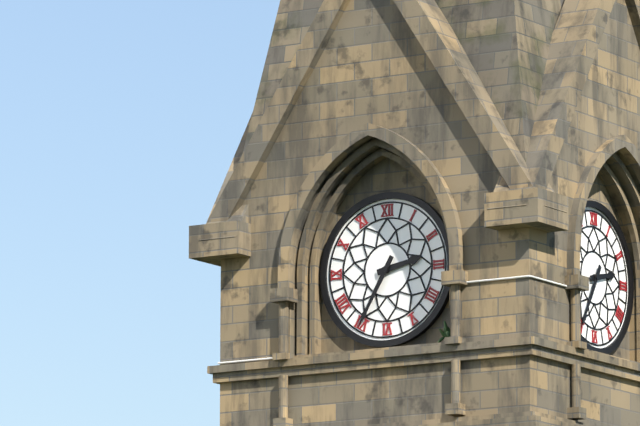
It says 2:35
